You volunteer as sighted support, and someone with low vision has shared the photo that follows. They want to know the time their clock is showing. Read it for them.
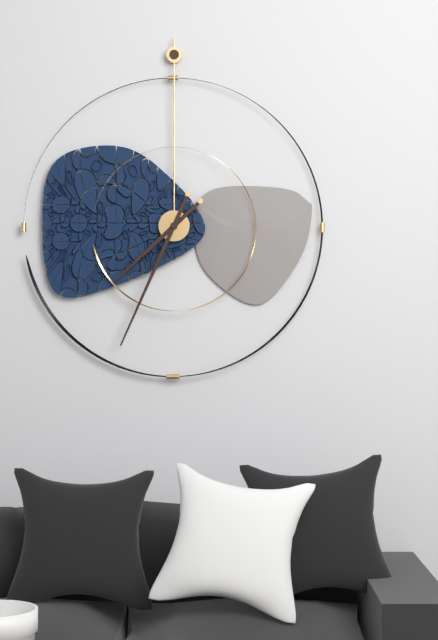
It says 7:34
